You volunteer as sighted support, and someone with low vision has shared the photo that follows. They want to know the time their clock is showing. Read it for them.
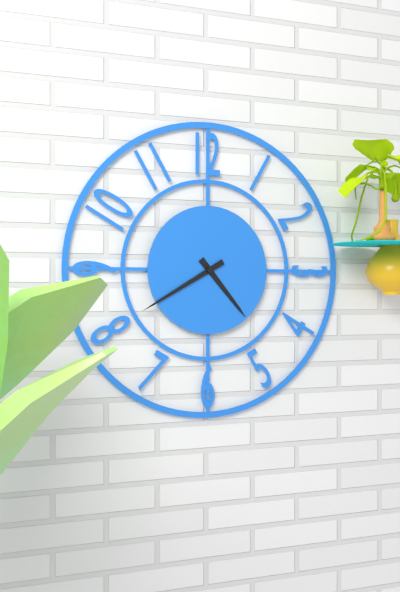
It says 4:40
